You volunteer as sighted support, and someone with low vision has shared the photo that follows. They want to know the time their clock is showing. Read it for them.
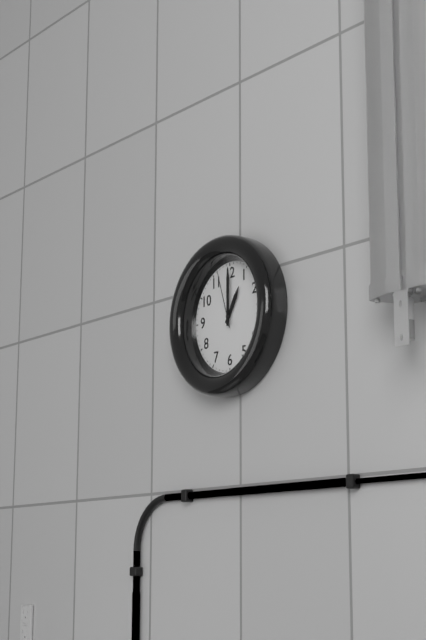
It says 1:00:57
